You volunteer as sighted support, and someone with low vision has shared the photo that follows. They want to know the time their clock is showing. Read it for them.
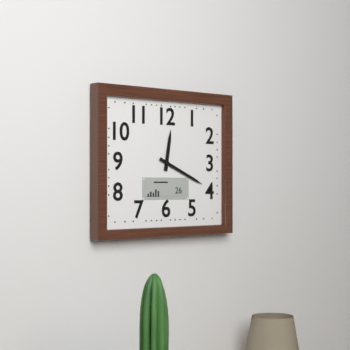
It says 12:19
